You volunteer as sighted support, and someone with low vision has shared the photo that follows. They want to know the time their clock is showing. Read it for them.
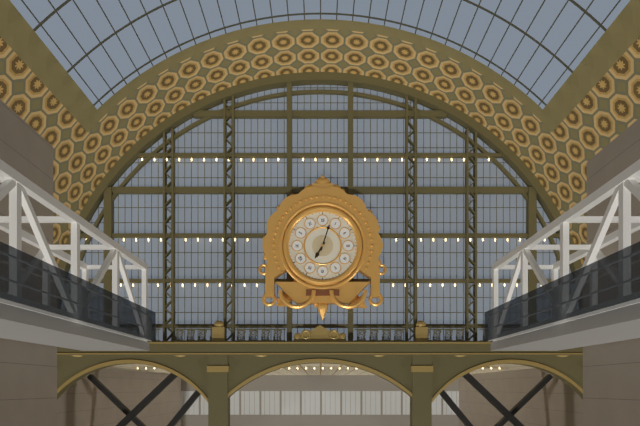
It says 7:03
